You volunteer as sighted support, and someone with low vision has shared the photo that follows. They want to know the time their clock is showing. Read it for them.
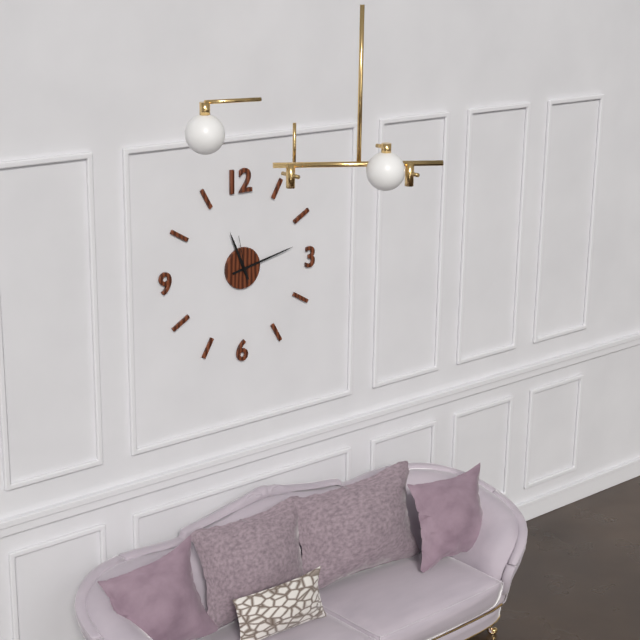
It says 11:13
